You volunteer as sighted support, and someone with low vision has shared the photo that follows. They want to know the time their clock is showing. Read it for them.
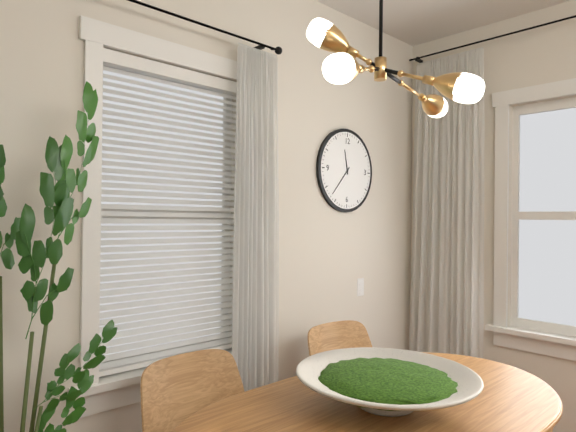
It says 11:37
